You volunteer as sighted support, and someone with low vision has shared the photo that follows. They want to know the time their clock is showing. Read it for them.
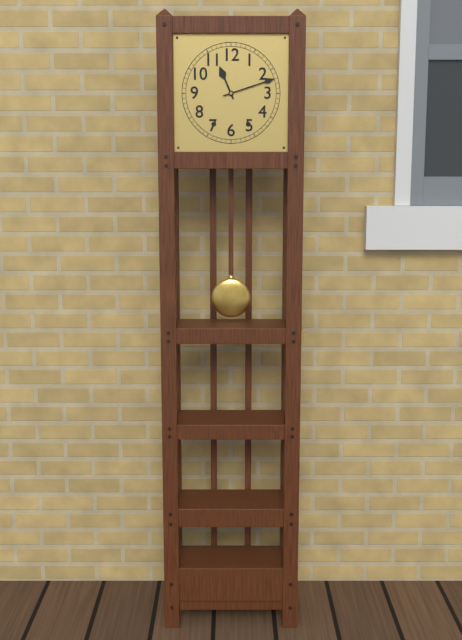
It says 11:12
